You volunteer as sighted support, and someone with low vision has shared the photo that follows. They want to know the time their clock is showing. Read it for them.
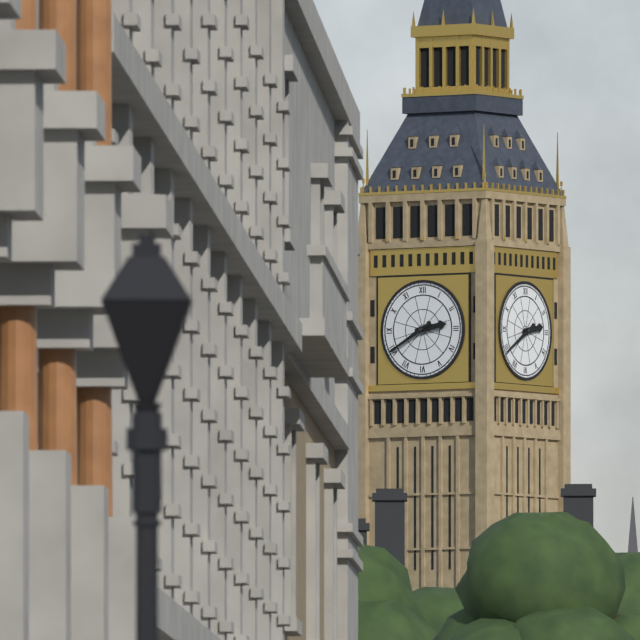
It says 2:40
